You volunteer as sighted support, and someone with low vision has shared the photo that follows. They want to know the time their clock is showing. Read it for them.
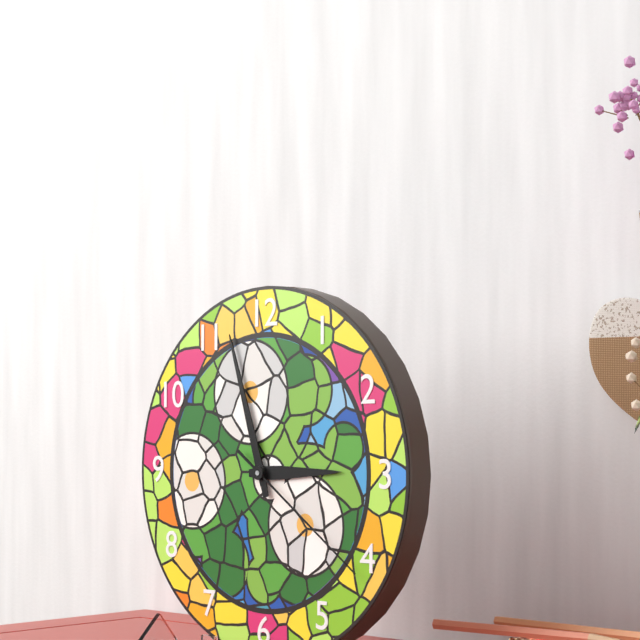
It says 2:57:21
